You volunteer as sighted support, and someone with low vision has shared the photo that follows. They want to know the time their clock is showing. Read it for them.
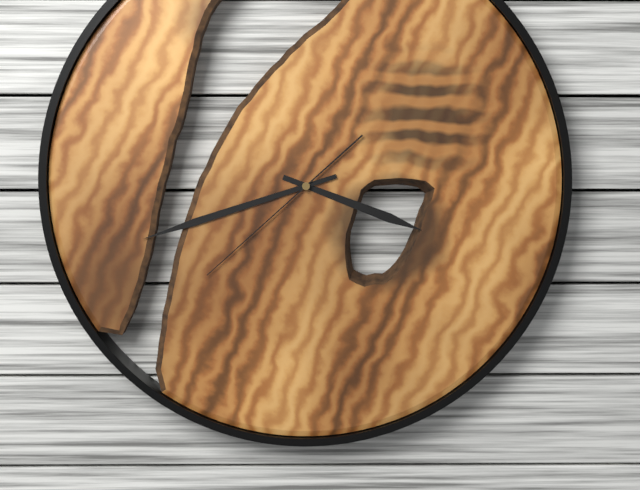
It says 3:42:38
